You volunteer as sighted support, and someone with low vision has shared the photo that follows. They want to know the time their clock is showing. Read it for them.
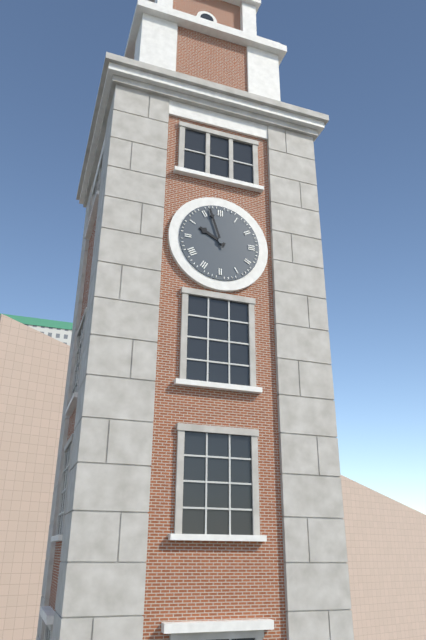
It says 9:57
